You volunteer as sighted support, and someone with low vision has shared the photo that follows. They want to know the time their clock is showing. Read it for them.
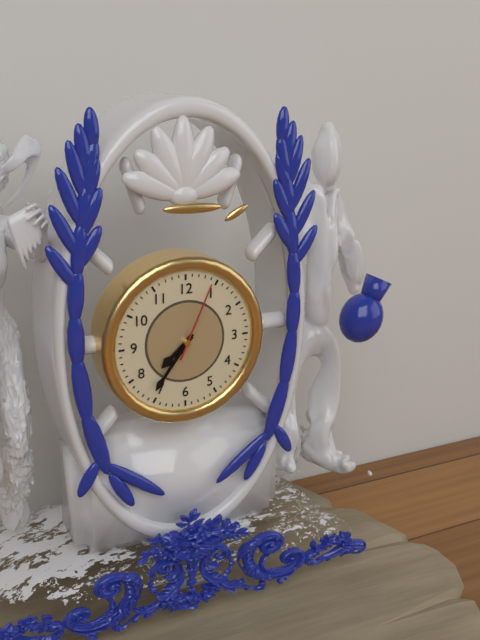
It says 7:36:04
